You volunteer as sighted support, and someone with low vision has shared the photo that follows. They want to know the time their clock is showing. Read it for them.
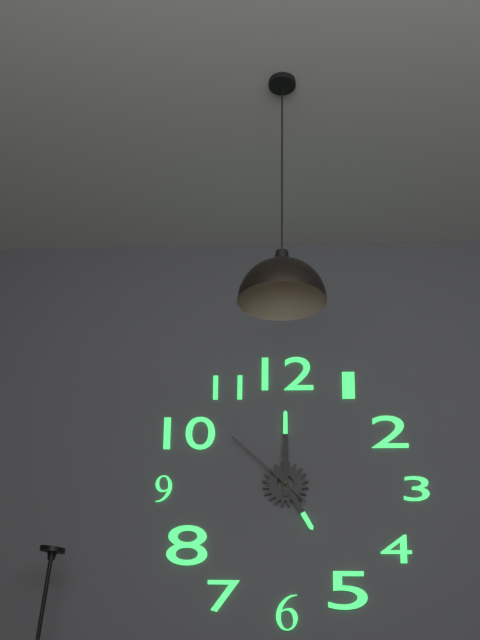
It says 5:00:52
